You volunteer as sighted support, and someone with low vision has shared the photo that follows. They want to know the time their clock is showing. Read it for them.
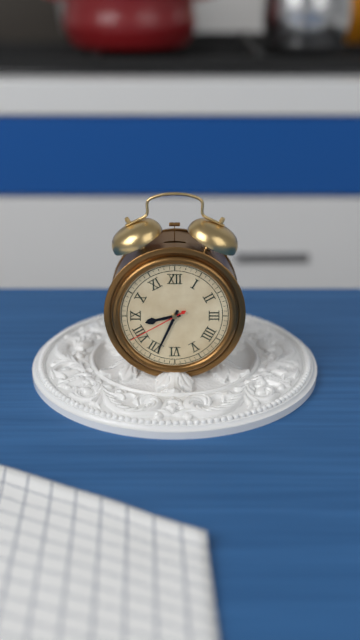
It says 8:34:40
